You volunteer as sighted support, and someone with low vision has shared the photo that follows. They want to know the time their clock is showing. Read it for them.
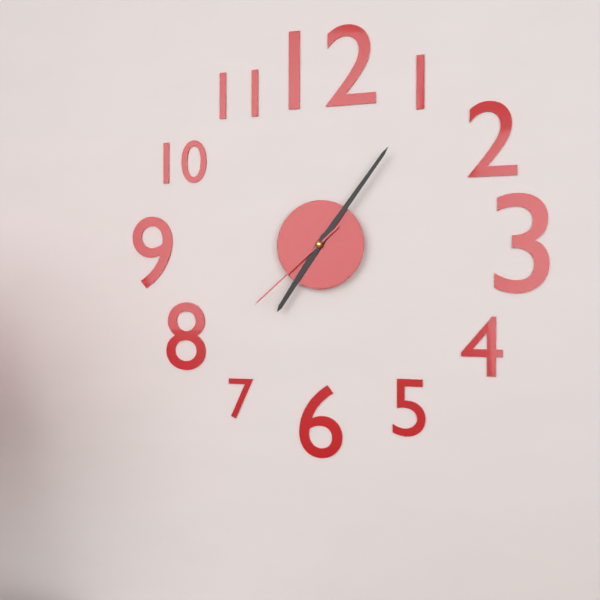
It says 7:06:38
